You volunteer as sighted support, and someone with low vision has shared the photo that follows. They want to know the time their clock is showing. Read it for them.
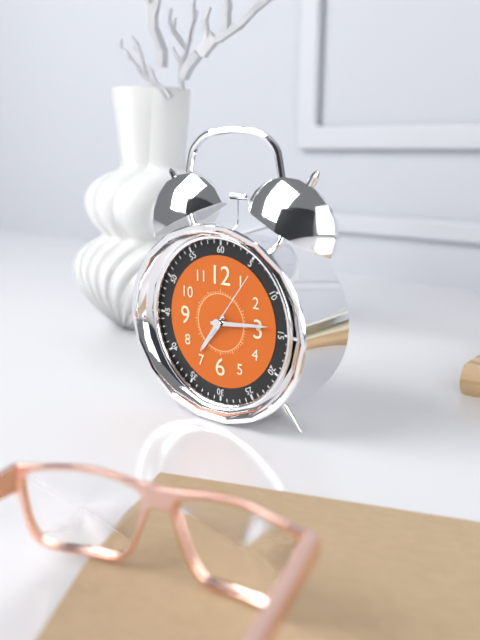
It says 7:14:06
